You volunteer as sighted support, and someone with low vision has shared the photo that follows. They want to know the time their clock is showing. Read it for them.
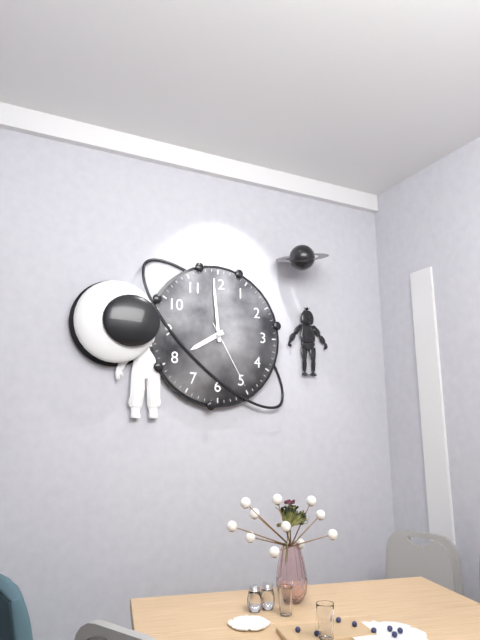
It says 7:59:25
